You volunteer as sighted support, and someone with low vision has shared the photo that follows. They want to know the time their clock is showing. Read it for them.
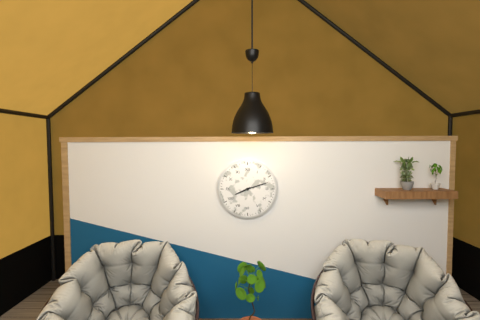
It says 8:12
